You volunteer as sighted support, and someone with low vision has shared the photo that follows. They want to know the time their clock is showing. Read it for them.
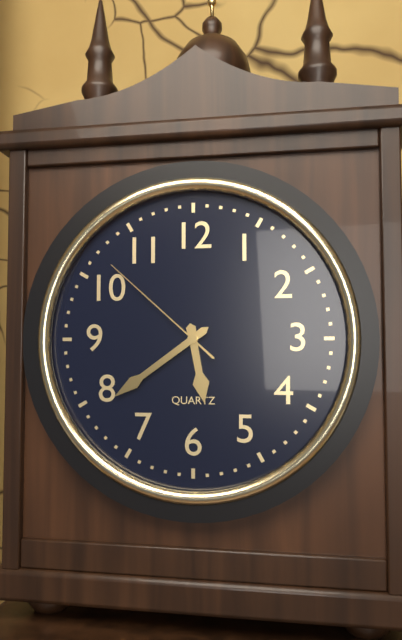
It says 5:39:52
